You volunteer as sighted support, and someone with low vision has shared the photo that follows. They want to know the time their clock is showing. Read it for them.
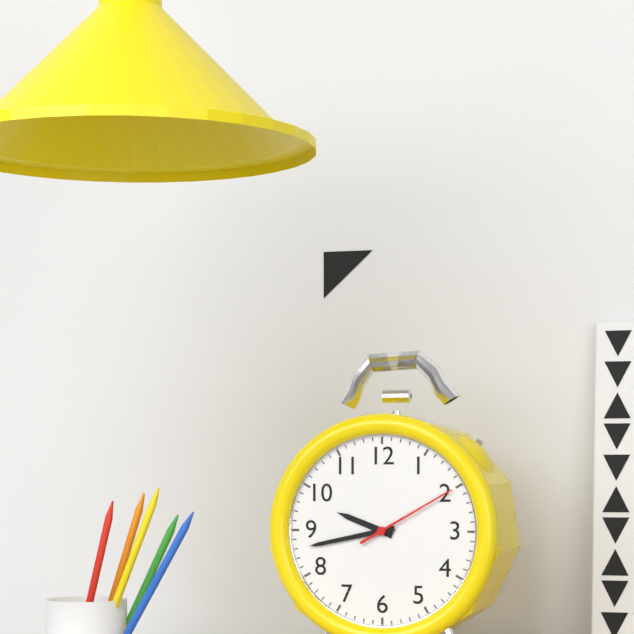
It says 9:43:10
